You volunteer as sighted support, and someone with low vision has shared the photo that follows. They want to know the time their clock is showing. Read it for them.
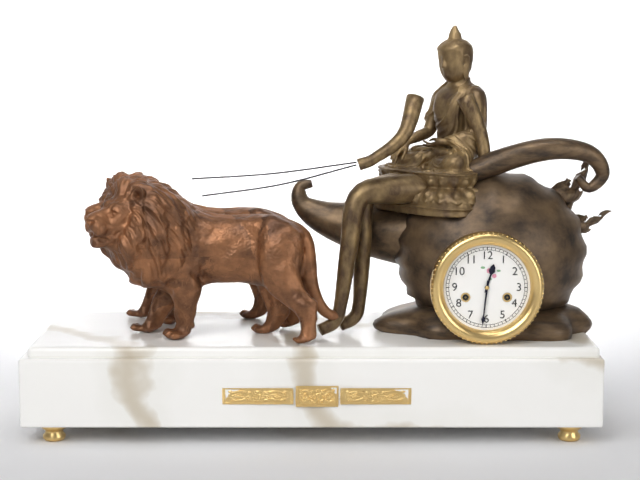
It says 12:31
